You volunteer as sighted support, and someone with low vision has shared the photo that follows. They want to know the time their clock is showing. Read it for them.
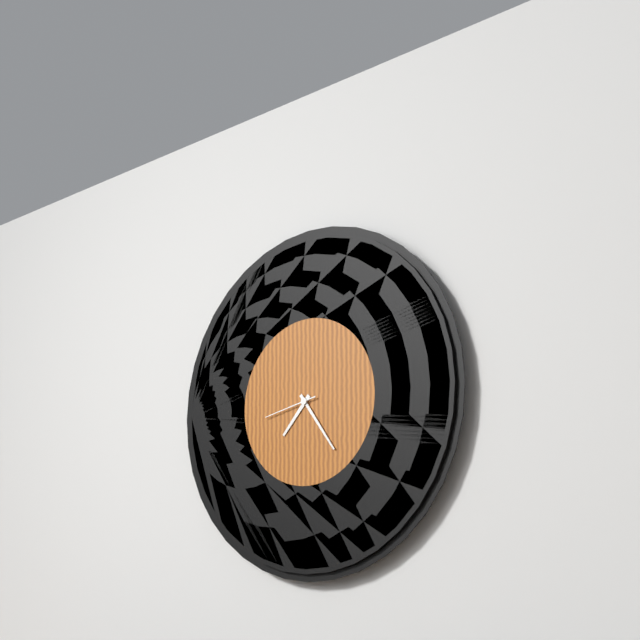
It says 7:24:43
